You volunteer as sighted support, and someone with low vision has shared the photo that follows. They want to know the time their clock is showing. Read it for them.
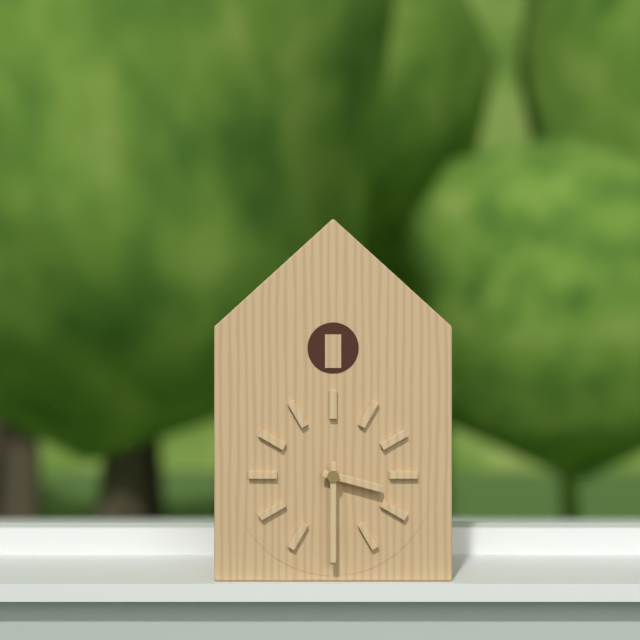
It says 3:30
